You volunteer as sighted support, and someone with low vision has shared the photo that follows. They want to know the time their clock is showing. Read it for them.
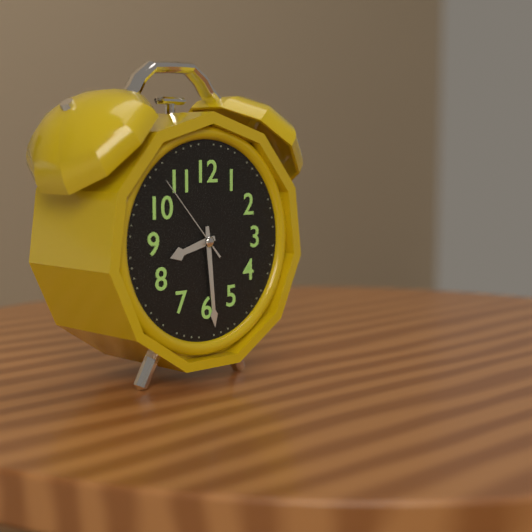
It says 8:29:53
